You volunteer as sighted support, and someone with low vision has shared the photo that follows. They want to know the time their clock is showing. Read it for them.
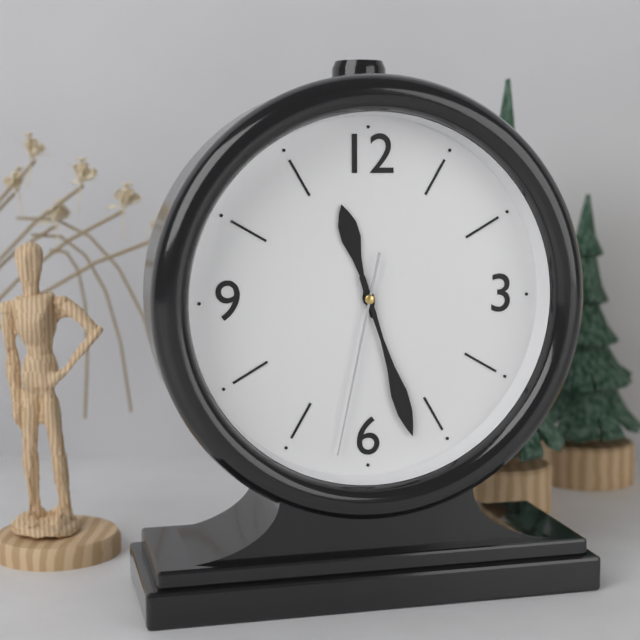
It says 11:27:32
